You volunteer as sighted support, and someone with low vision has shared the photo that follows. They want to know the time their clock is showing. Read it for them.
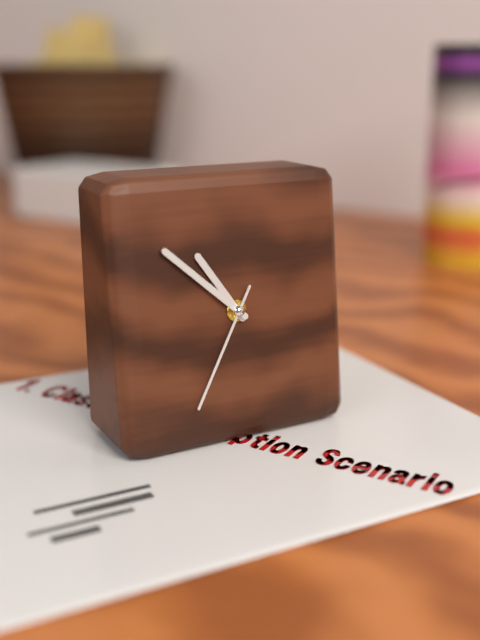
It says 10:52:35
